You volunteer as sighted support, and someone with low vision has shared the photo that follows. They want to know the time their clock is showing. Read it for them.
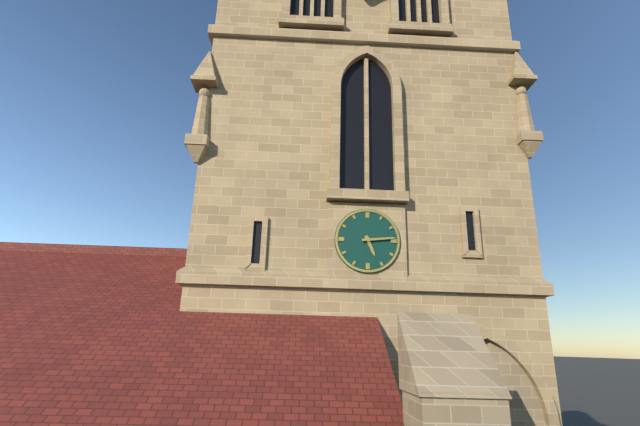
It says 5:14
